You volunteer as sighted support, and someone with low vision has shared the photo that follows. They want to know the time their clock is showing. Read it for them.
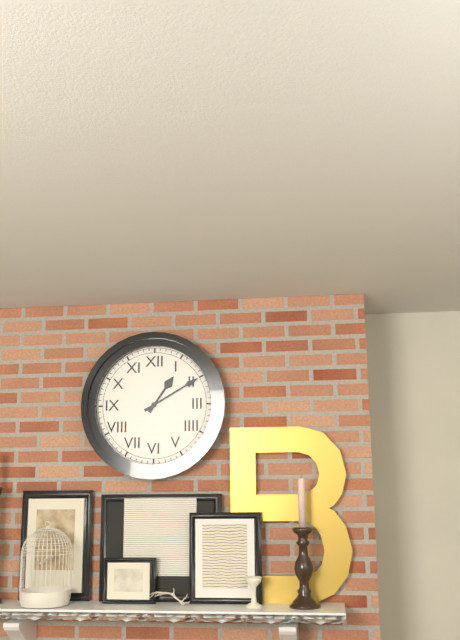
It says 1:10
